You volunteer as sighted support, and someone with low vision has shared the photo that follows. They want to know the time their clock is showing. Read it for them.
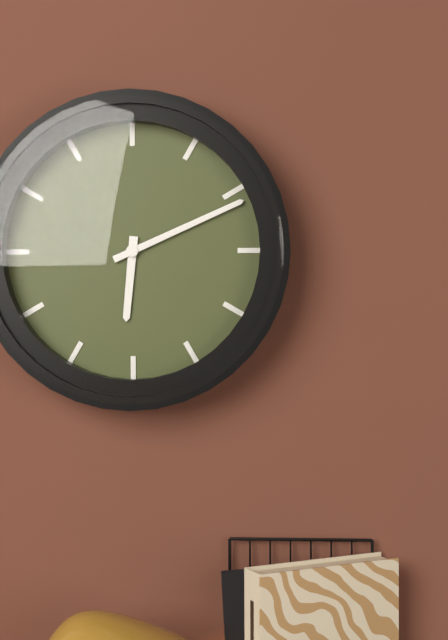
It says 6:11
